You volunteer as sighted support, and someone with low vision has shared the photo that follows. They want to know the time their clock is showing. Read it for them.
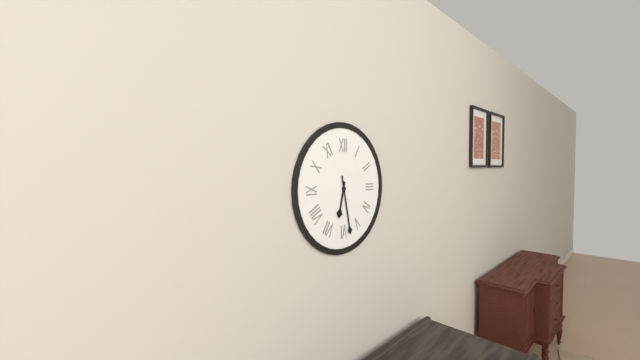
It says 6:28
